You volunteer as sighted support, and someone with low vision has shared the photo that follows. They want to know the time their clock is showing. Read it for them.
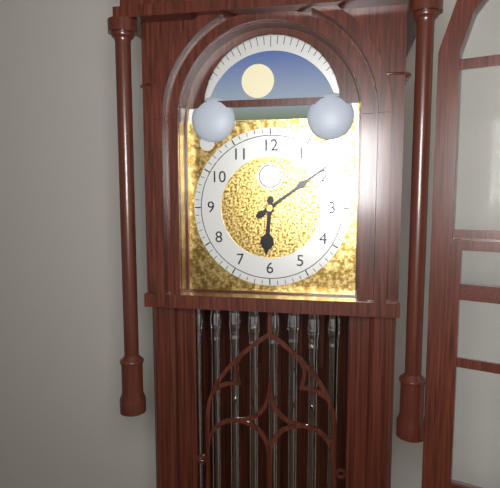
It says 6:09
